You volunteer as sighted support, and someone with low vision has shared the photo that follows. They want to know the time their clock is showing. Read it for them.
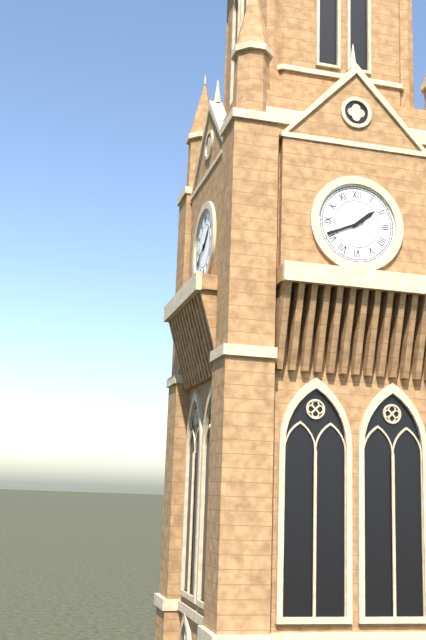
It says 1:41
